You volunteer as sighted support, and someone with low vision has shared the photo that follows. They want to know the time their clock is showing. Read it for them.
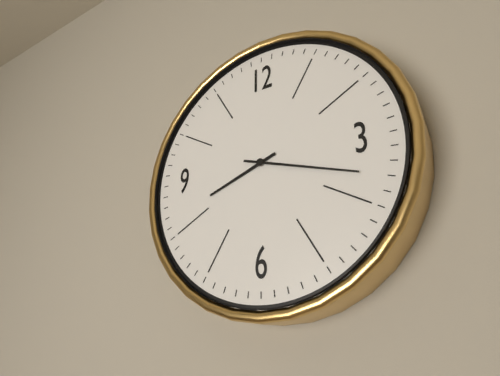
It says 8:18
